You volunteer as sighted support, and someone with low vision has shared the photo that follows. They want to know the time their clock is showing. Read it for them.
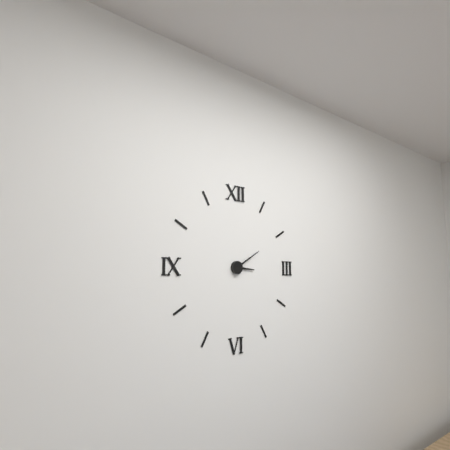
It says 3:10
